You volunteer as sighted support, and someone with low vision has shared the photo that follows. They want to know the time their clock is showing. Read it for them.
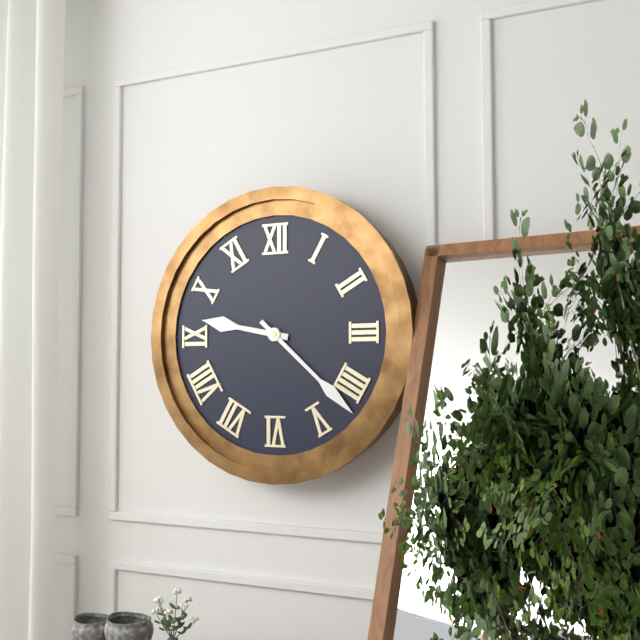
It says 9:22
